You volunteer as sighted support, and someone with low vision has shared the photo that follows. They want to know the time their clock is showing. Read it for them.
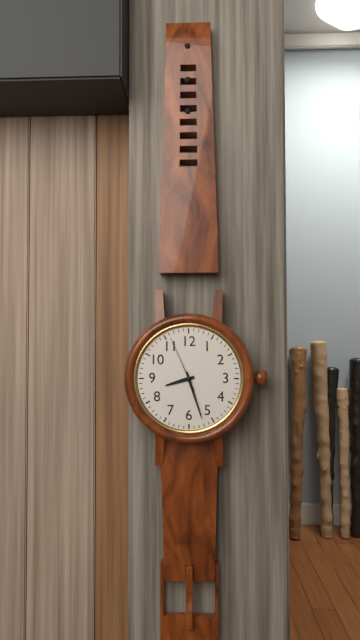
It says 8:27:56
